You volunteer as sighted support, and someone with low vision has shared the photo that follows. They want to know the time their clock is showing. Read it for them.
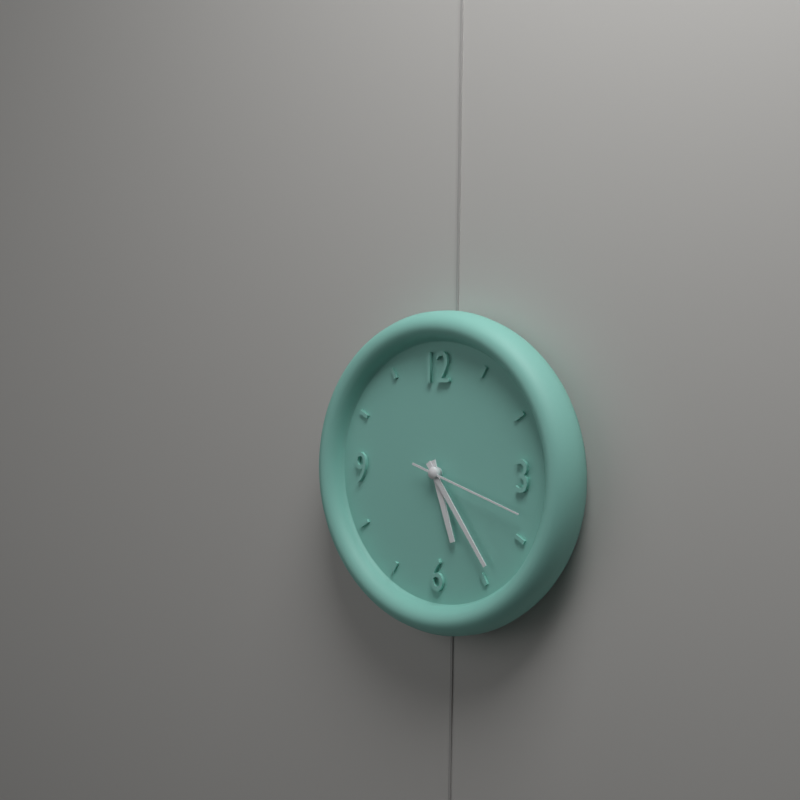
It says 5:24:18
